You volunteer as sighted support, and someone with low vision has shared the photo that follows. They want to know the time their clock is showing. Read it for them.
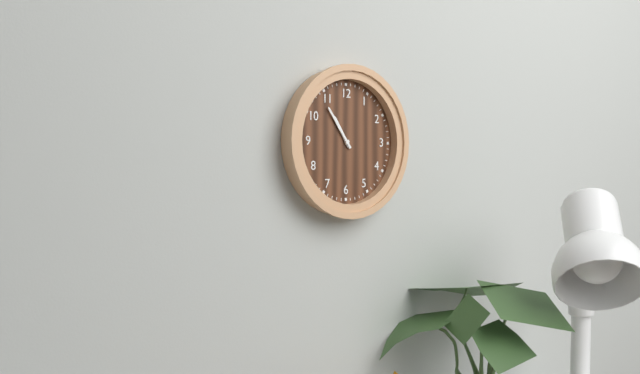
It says 10:54
